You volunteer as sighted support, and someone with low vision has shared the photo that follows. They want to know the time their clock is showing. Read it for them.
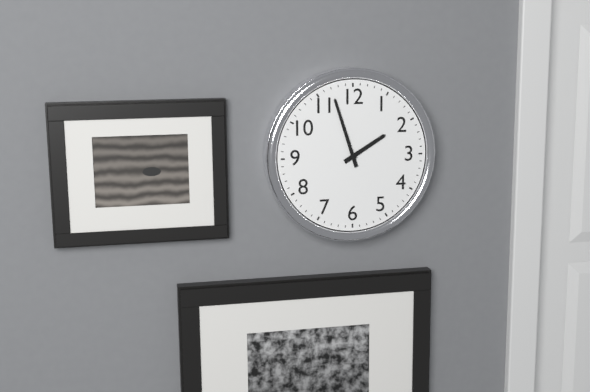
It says 1:57
